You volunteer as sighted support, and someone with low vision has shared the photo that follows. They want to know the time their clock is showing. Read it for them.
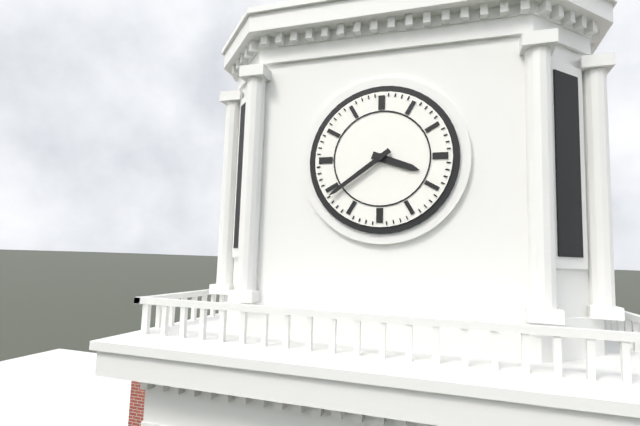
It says 3:39
